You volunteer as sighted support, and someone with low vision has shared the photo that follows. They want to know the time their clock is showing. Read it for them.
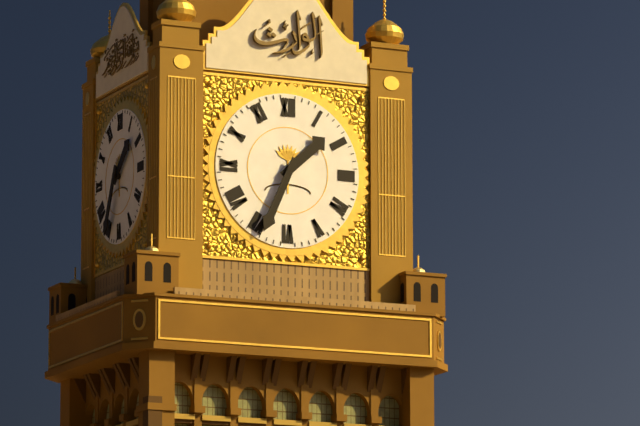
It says 1:34
